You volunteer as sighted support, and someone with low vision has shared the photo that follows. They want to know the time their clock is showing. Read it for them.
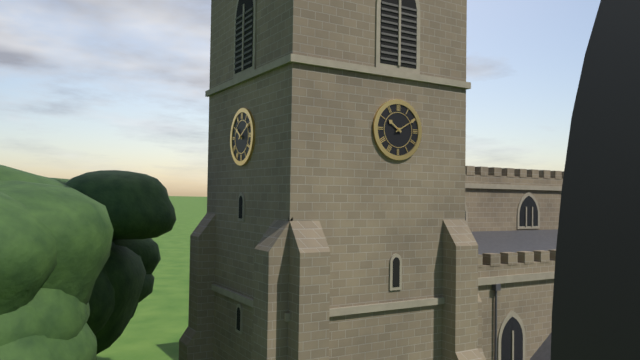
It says 10:10
